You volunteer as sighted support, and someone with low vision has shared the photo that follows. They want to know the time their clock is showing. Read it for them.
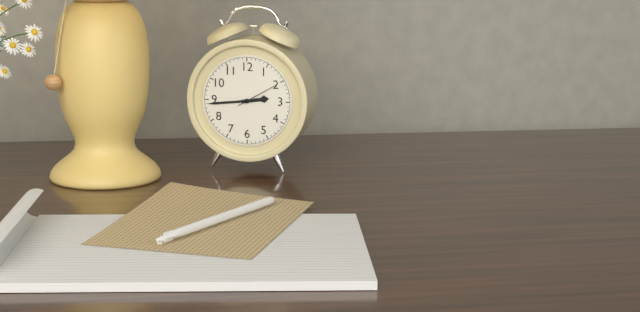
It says 2:44
